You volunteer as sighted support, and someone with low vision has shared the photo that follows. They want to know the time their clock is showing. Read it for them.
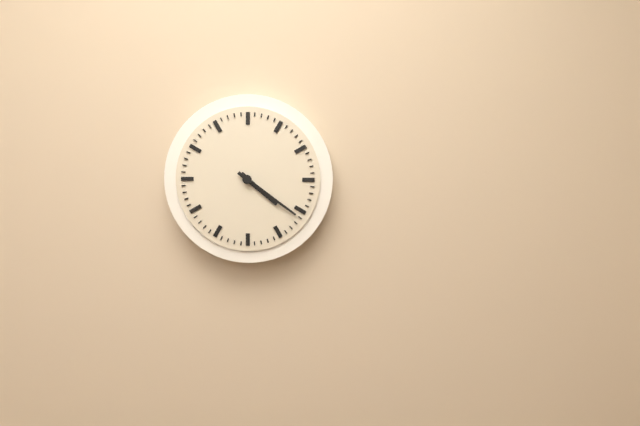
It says 4:21
